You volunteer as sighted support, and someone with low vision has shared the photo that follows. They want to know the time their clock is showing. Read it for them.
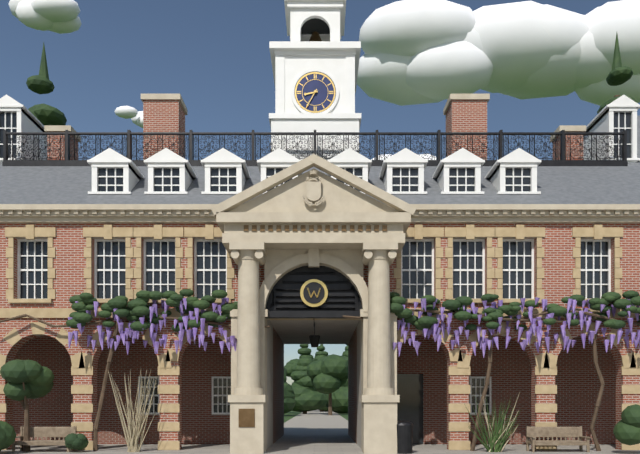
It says 8:35
